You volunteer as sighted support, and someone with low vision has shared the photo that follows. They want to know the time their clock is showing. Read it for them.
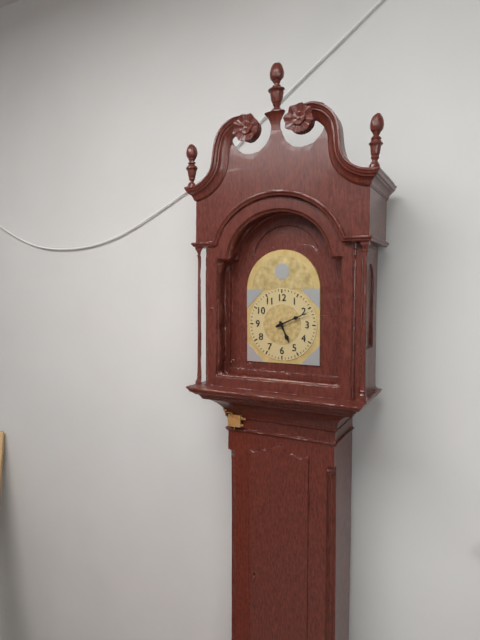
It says 5:11
